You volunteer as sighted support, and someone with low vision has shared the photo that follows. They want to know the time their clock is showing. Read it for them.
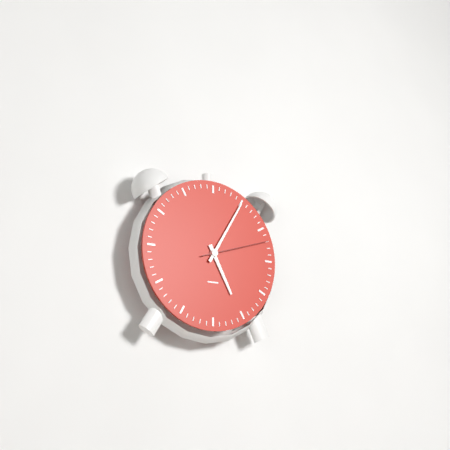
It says 5:05:12
